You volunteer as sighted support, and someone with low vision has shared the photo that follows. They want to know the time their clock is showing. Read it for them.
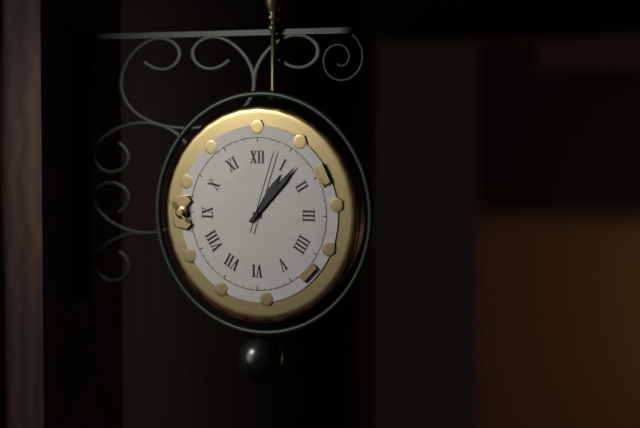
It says 1:07:03
